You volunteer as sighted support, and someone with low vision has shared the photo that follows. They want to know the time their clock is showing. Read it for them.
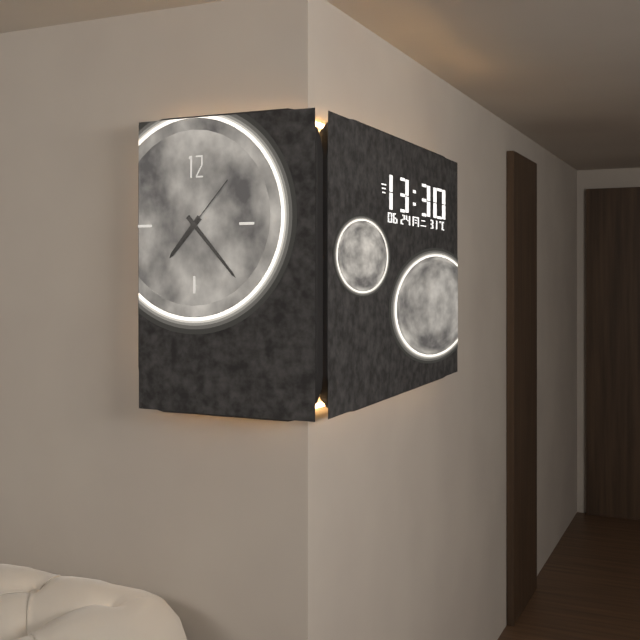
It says 7:23:07
